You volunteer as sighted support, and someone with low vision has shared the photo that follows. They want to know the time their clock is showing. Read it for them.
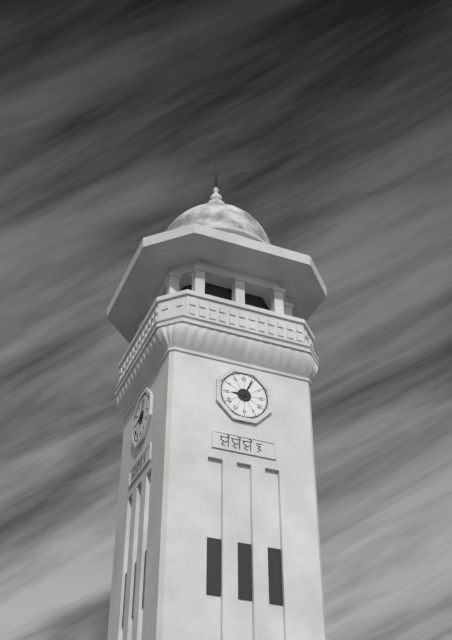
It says 9:04
